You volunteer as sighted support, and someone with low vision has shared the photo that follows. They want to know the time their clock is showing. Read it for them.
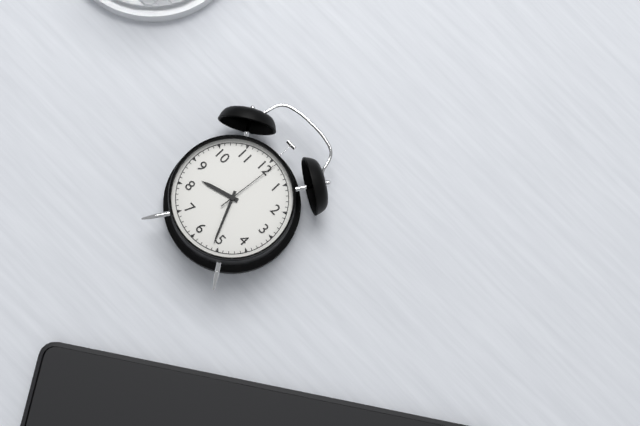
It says 8:26:01
